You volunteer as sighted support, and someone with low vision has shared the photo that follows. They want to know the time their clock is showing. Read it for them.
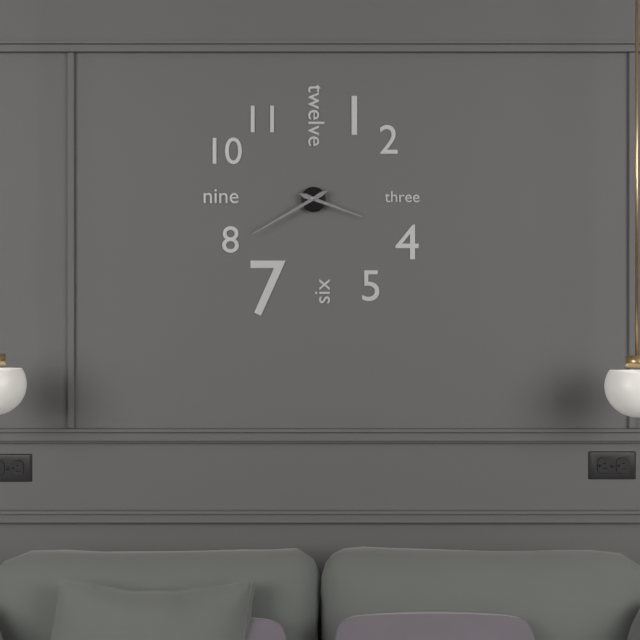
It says 3:40
